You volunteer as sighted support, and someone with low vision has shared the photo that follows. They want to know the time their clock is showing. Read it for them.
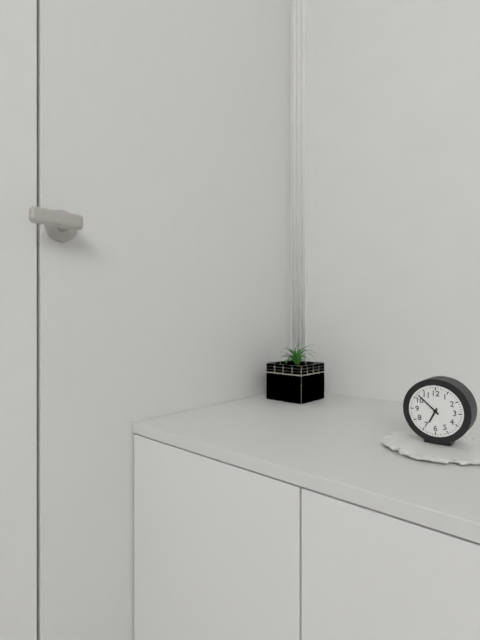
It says 6:52
